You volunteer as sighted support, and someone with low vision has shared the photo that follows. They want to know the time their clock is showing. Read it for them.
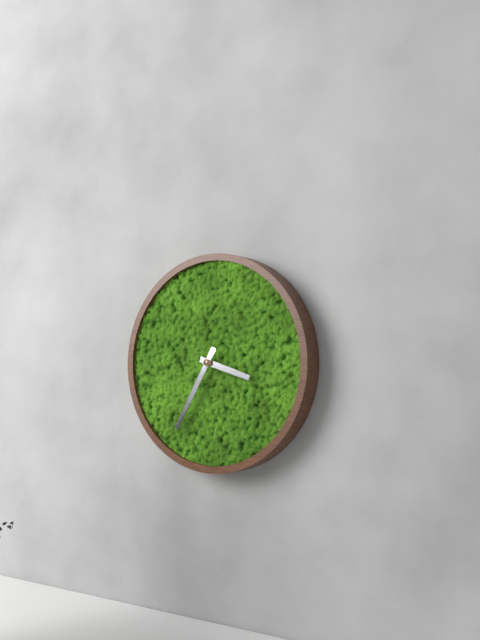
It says 3:35
